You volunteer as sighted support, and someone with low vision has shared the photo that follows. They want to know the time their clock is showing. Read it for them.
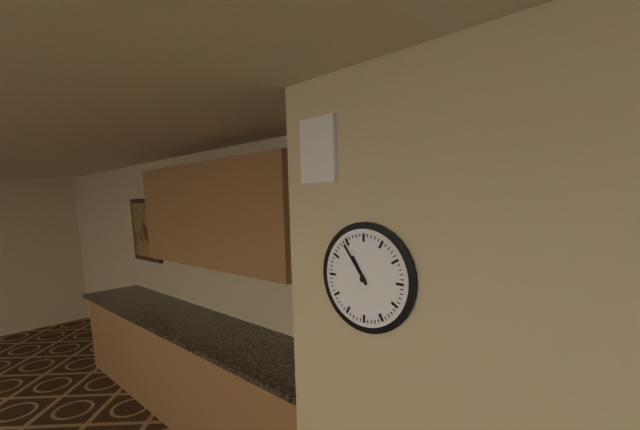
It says 10:54
